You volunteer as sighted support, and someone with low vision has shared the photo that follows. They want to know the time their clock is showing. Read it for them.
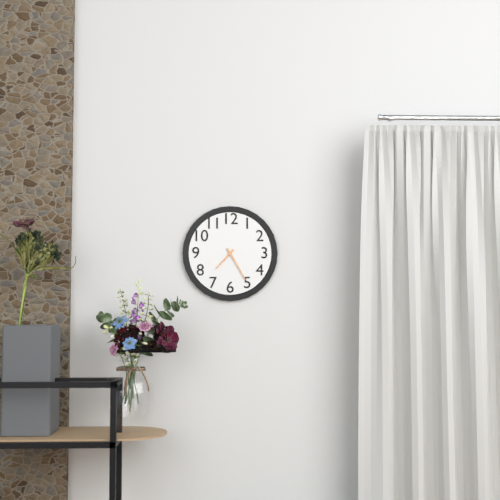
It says 7:25
